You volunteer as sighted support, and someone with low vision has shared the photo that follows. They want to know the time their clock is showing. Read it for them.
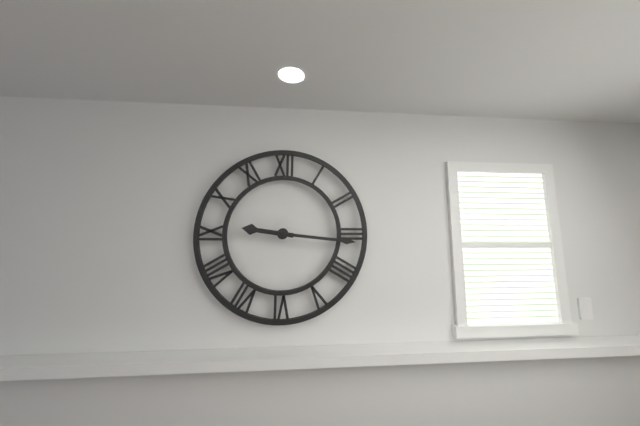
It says 9:16
